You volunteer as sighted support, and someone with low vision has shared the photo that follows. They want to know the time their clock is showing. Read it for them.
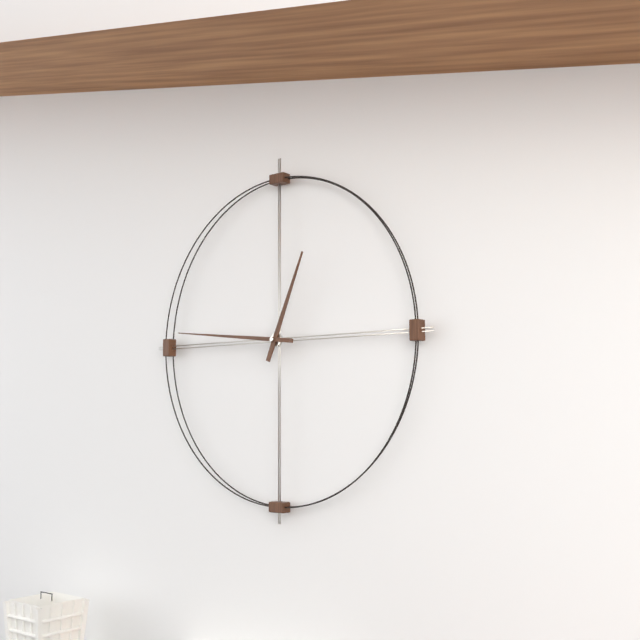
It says 12:46
